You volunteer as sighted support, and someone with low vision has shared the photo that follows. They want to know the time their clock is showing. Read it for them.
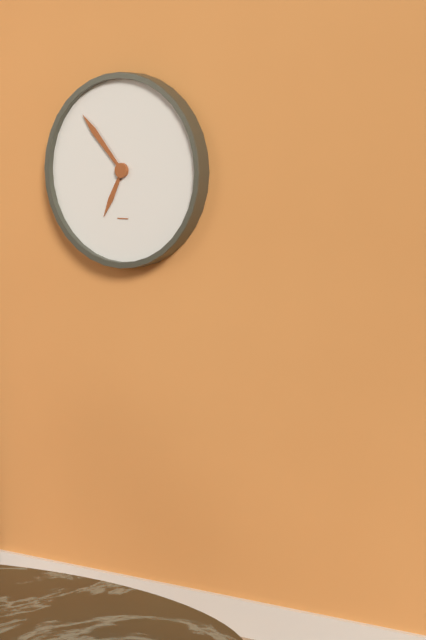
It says 6:53
